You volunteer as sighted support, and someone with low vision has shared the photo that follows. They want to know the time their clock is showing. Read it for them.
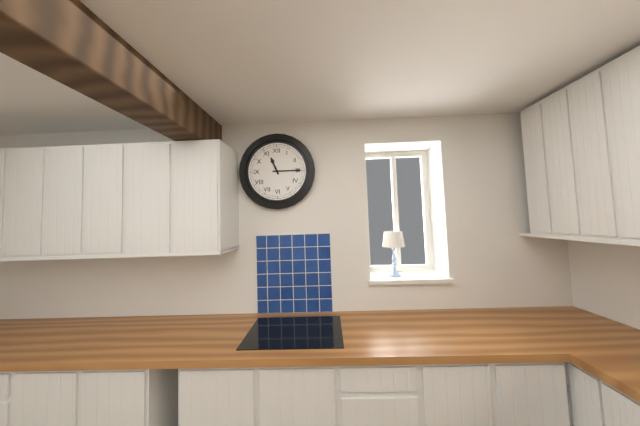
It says 11:15
